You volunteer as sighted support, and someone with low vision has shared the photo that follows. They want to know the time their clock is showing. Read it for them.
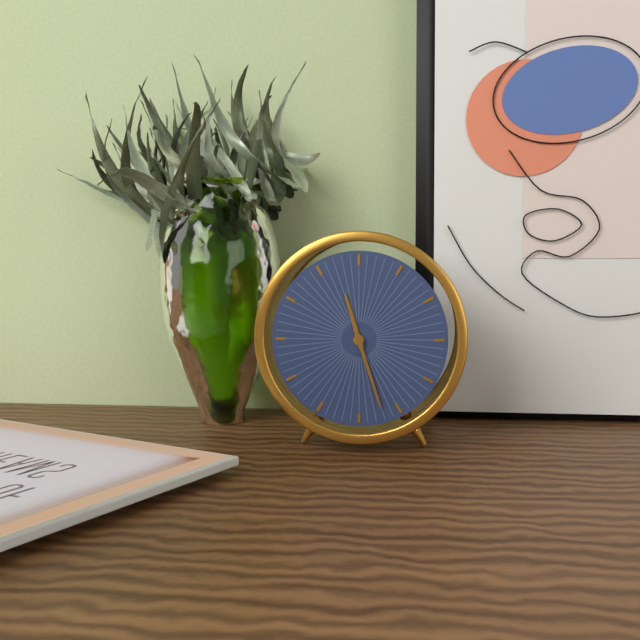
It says 11:27
